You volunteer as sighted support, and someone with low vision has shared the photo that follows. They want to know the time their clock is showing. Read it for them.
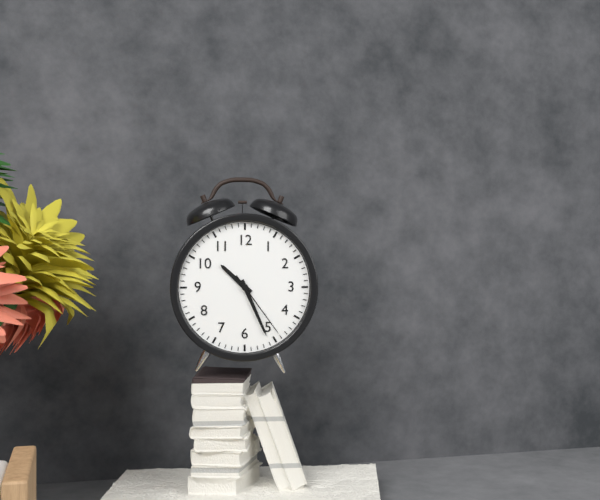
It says 10:26:24
